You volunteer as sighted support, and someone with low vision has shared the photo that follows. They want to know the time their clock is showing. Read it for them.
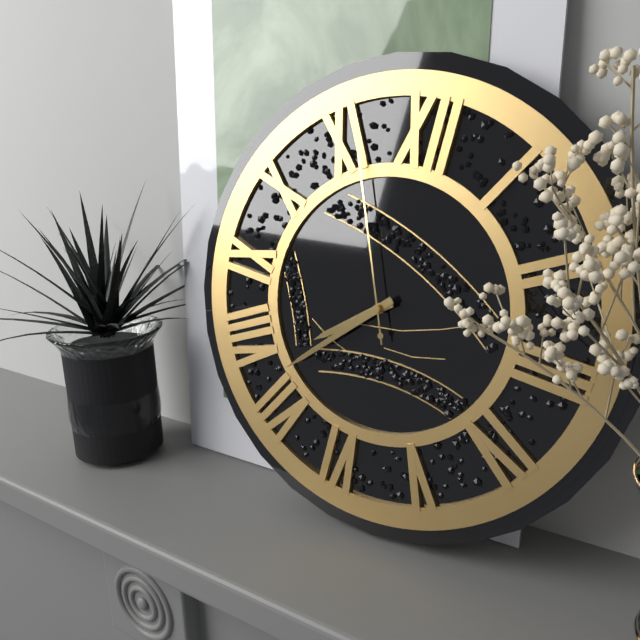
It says 7:37:56
